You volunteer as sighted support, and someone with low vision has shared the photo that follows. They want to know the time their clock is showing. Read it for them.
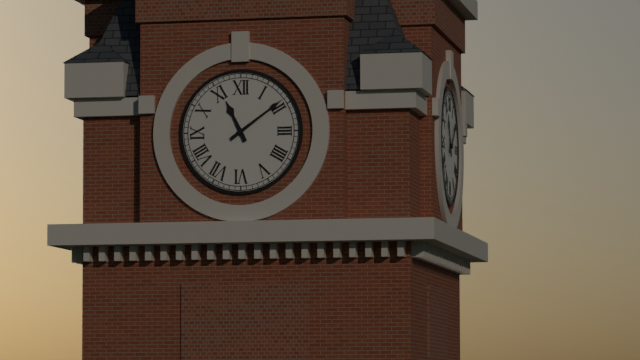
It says 11:09
